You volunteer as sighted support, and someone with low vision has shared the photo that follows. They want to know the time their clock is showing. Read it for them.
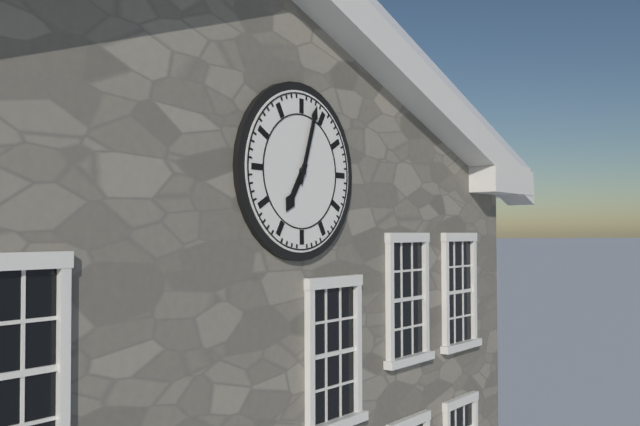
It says 7:03
